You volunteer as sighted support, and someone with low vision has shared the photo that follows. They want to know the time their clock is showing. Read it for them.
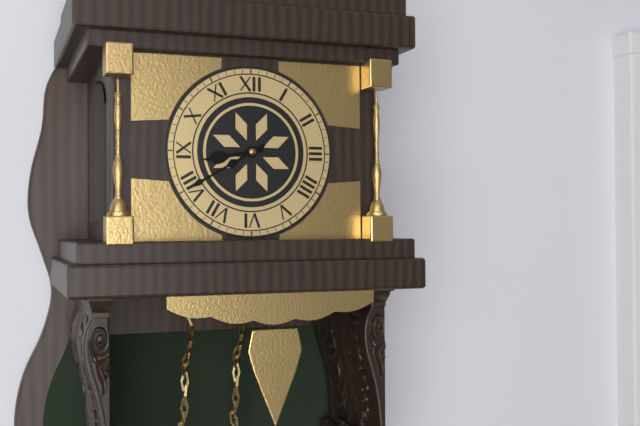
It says 8:40
